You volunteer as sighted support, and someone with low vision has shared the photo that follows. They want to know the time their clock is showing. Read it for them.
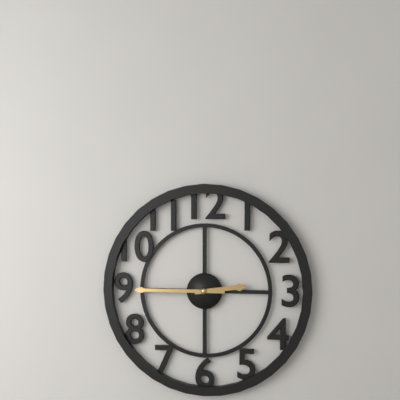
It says 2:45
